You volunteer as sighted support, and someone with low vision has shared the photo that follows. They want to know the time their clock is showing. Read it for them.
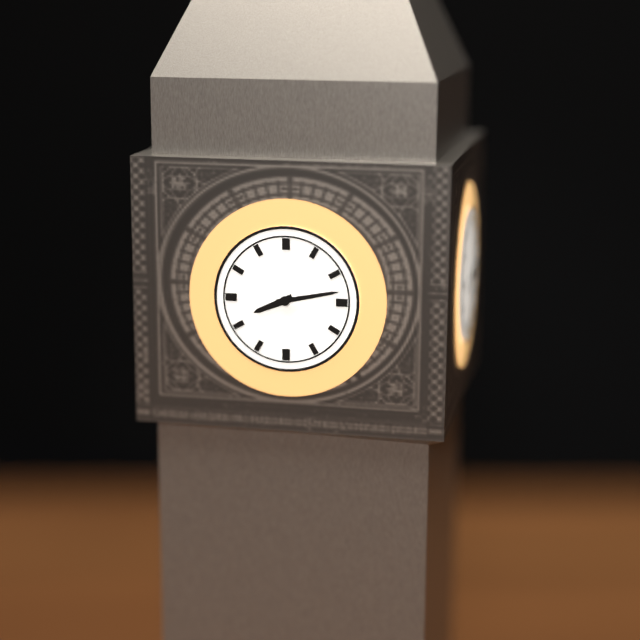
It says 8:13
